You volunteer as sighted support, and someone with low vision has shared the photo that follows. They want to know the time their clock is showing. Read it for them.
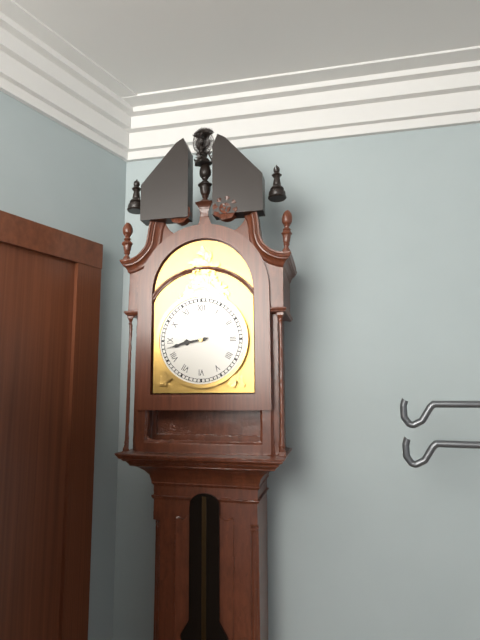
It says 8:43
